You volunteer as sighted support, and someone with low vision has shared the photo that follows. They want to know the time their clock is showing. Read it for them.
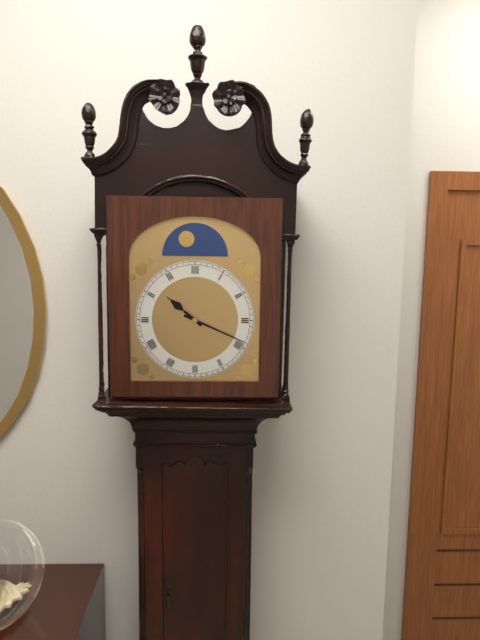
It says 10:19
